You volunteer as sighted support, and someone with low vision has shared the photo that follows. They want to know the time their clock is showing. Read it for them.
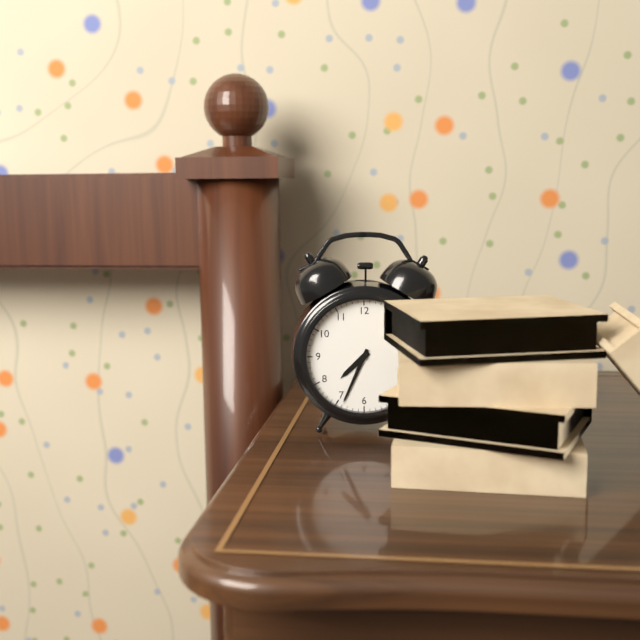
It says 7:34
